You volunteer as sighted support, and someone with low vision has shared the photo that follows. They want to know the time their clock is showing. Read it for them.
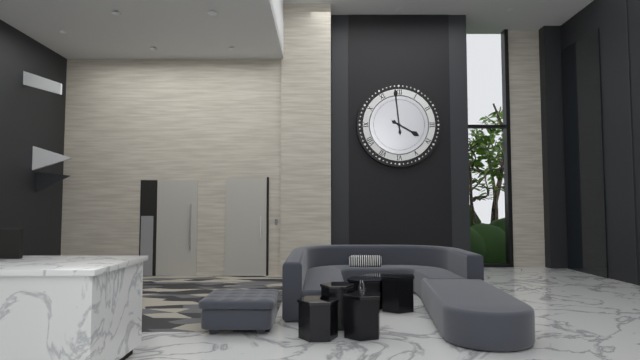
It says 3:59
